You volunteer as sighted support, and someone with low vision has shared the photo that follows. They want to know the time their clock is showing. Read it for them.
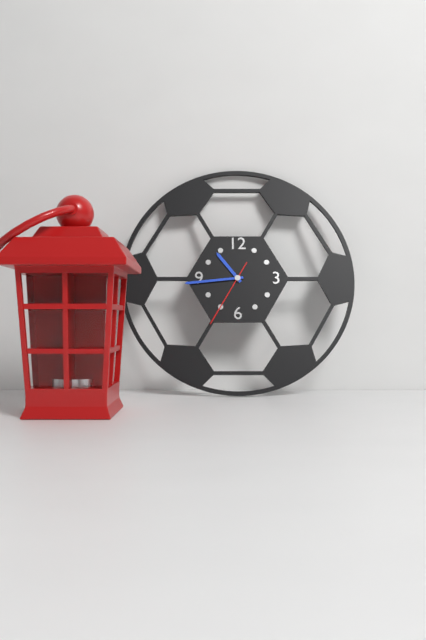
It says 10:44:35
